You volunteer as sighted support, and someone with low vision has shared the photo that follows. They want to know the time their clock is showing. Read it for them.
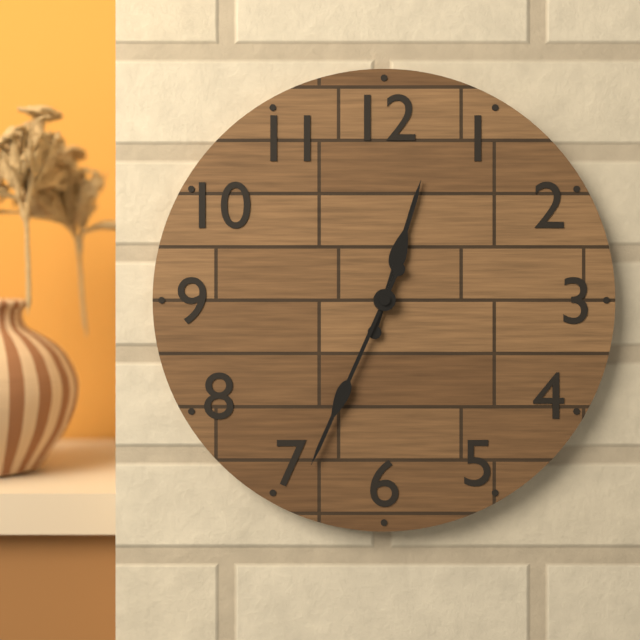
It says 12:34
